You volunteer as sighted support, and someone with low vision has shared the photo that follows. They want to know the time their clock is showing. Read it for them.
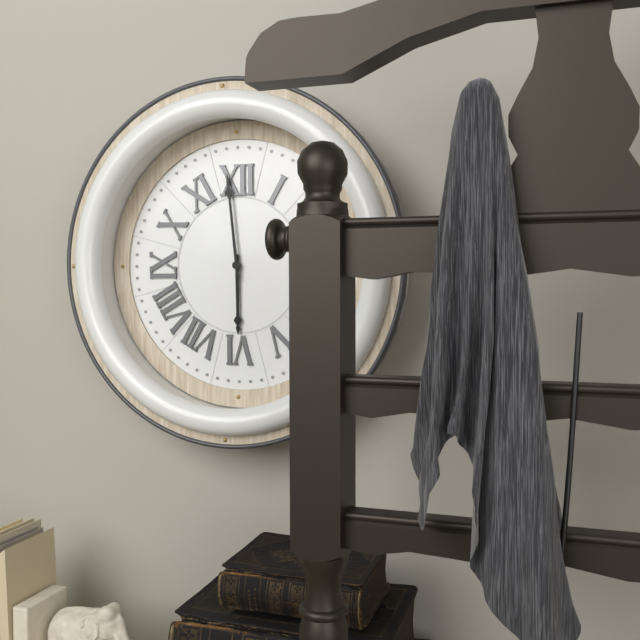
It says 5:59
